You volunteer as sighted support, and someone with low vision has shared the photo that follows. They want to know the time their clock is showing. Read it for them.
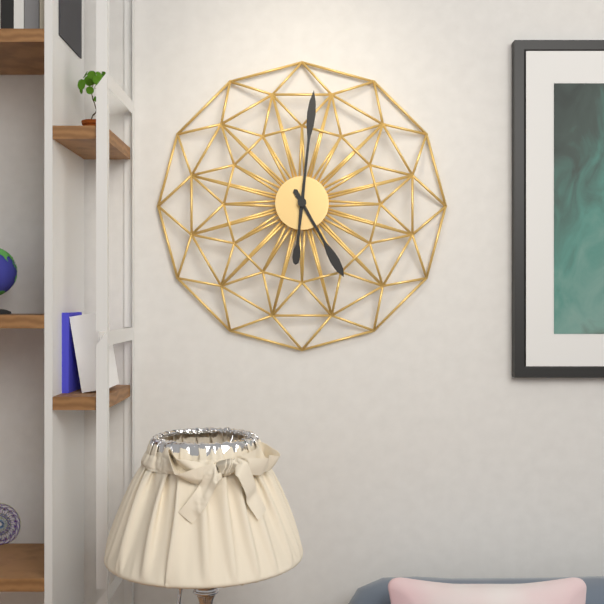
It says 5:01
